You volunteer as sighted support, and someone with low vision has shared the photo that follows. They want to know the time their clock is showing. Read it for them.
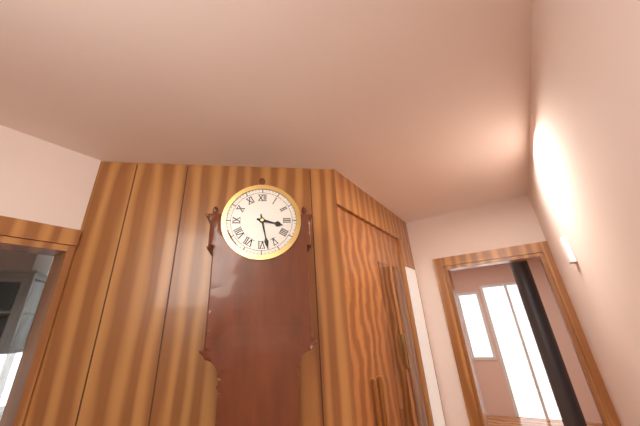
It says 3:28
